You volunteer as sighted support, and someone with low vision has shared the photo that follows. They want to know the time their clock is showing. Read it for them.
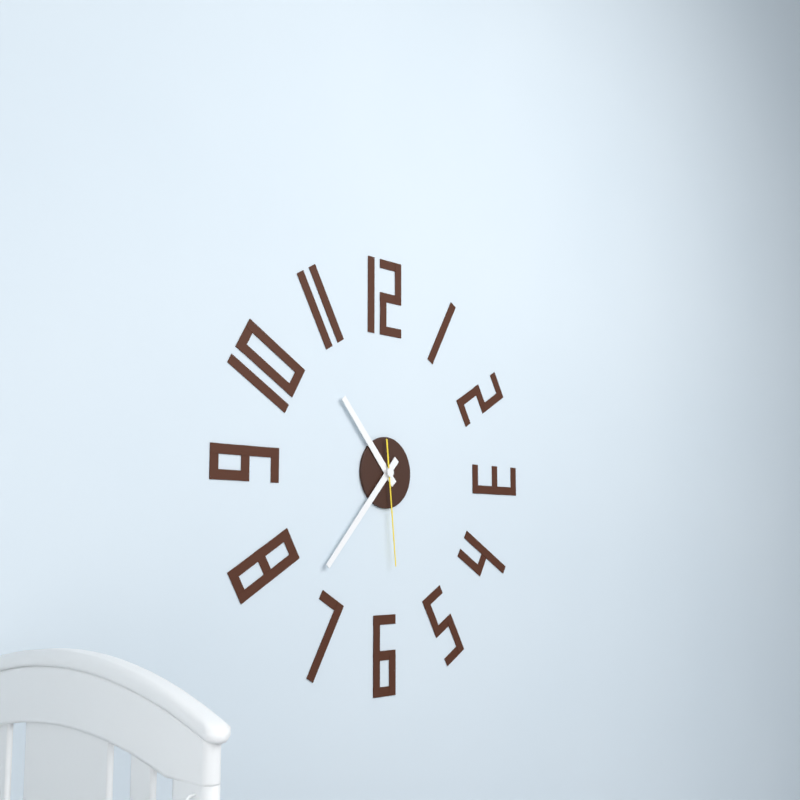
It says 10:37:29
